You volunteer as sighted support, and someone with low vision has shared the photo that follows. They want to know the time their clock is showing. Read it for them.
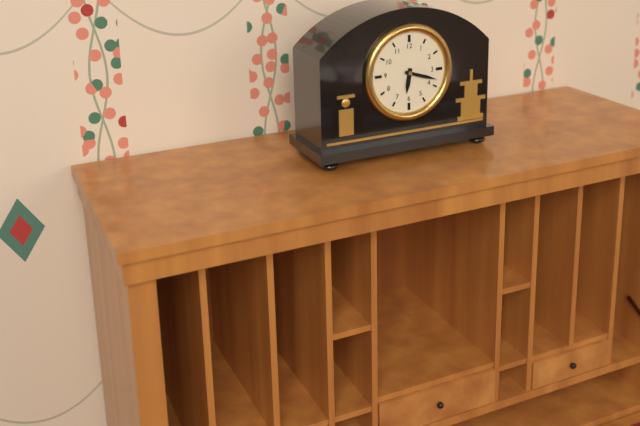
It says 6:18
